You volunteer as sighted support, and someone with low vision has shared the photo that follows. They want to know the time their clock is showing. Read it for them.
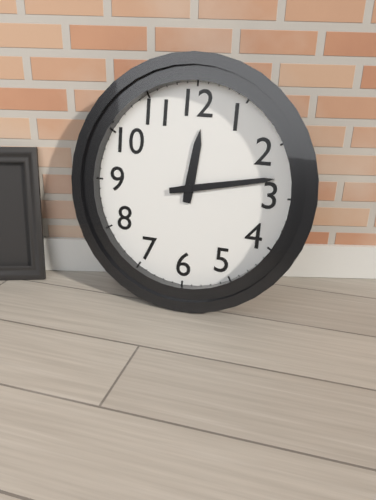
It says 12:13
